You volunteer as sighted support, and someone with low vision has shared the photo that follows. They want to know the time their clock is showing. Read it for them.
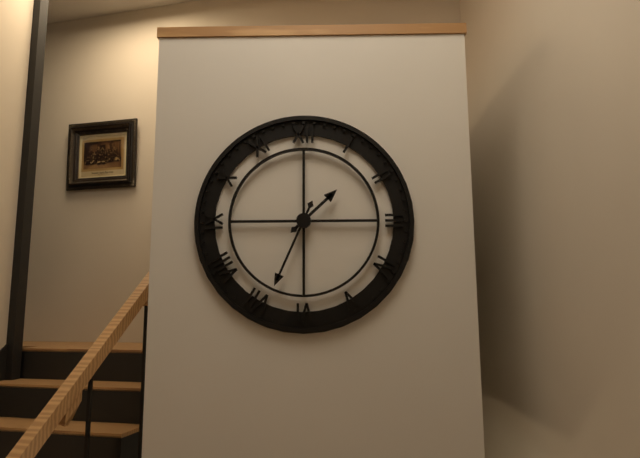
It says 1:34
